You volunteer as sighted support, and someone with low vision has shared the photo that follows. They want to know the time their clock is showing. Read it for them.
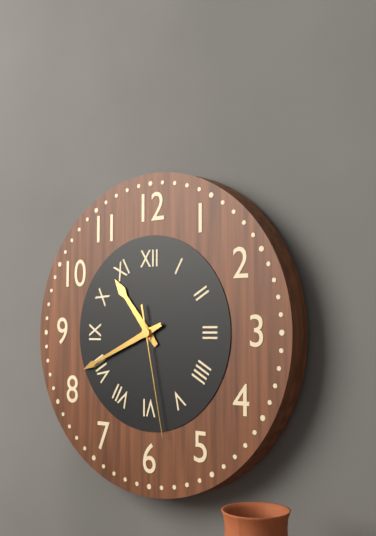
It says 10:41:28
